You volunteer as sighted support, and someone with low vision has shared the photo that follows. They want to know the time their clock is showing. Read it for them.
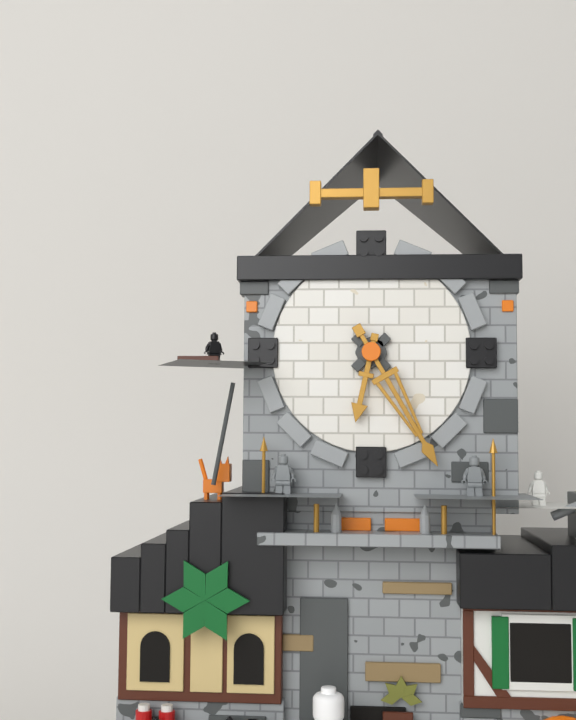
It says 6:25
